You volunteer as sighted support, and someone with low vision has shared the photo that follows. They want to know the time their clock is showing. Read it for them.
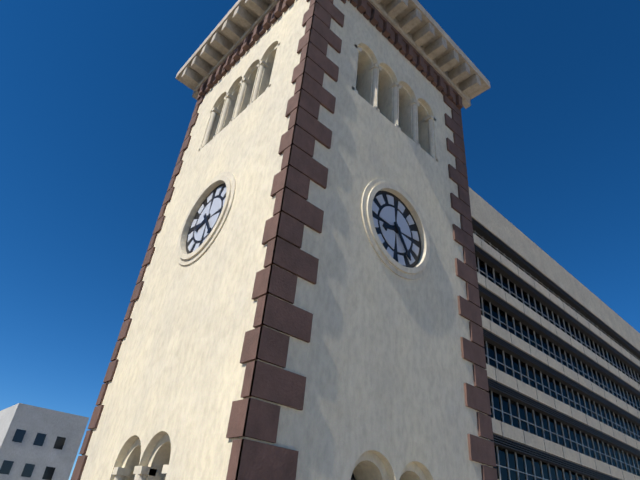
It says 8:24
